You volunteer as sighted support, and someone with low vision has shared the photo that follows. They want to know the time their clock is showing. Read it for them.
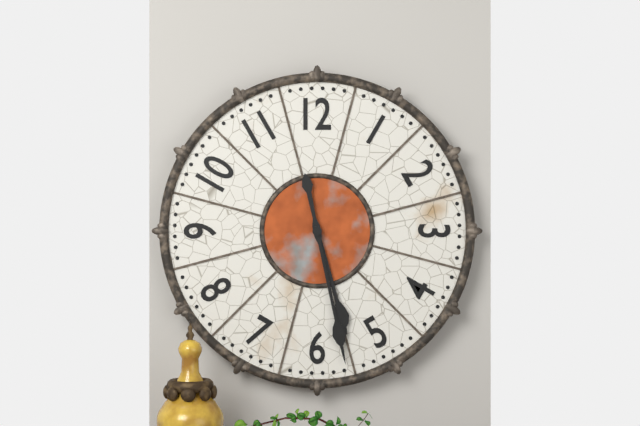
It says 5:28
